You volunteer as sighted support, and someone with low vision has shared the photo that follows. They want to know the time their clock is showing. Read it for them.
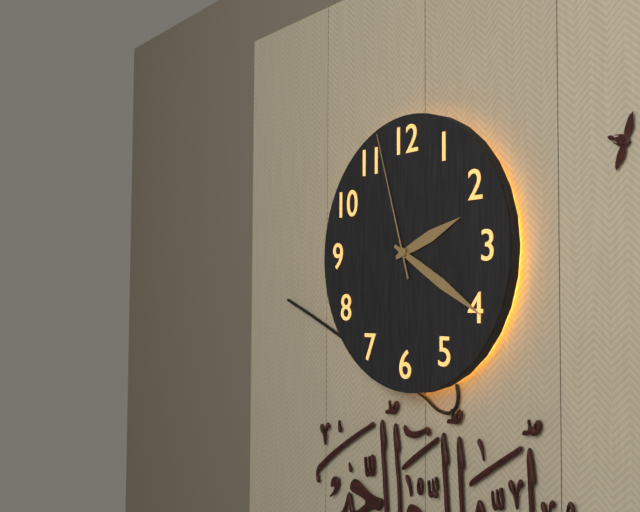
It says 2:20:57
